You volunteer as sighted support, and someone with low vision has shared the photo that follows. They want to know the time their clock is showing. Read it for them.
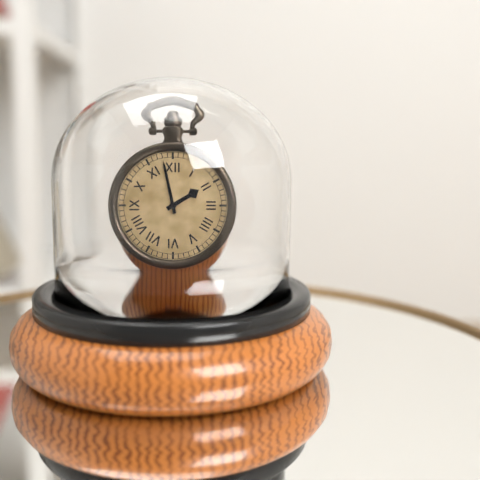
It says 1:58
